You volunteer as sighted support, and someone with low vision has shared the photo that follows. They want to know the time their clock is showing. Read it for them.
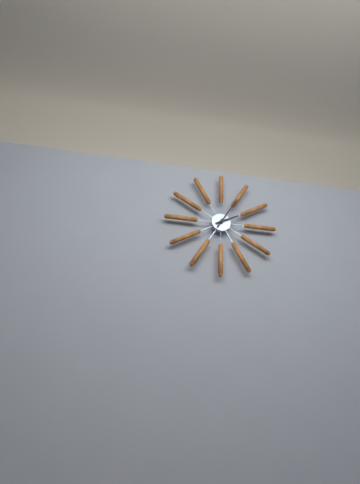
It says 2:05
